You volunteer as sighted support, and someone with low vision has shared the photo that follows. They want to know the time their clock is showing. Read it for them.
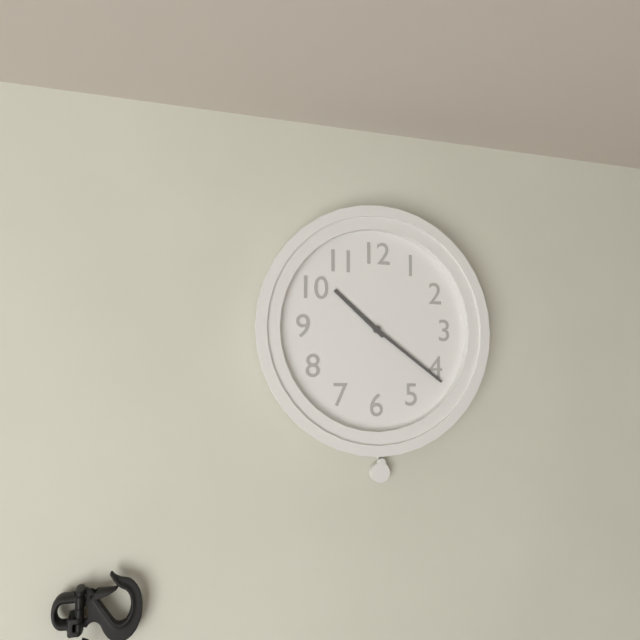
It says 10:21
